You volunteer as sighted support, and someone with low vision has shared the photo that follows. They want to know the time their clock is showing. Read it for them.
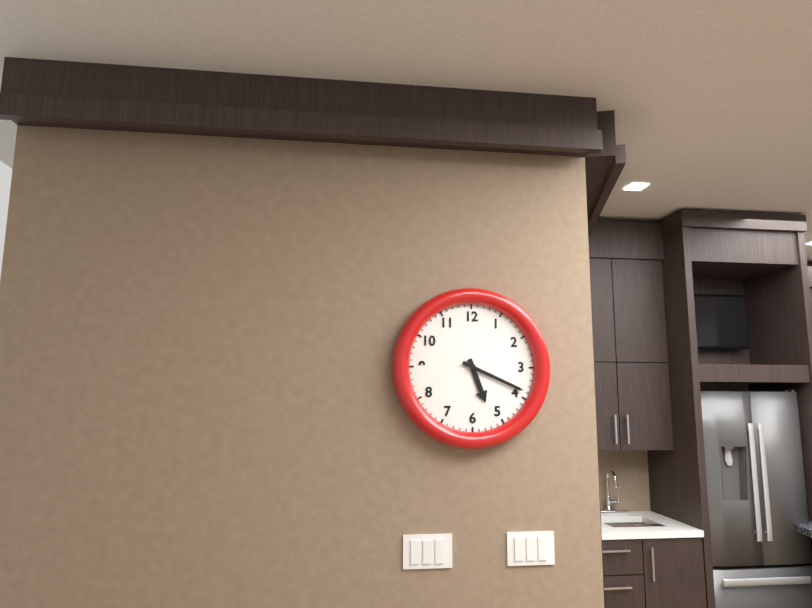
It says 5:19
